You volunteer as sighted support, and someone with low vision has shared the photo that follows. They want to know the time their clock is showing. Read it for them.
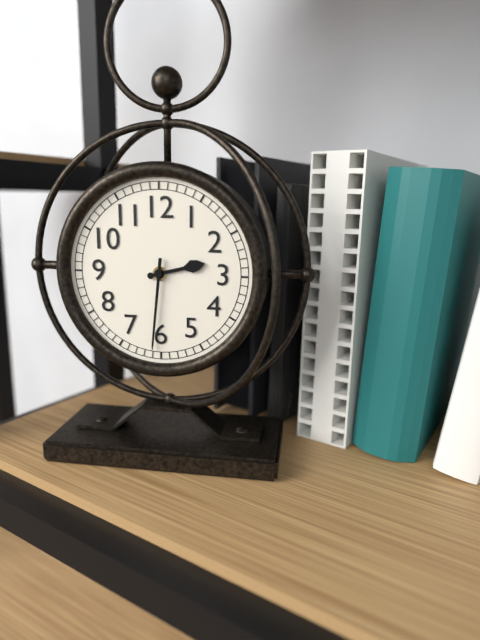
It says 2:31
